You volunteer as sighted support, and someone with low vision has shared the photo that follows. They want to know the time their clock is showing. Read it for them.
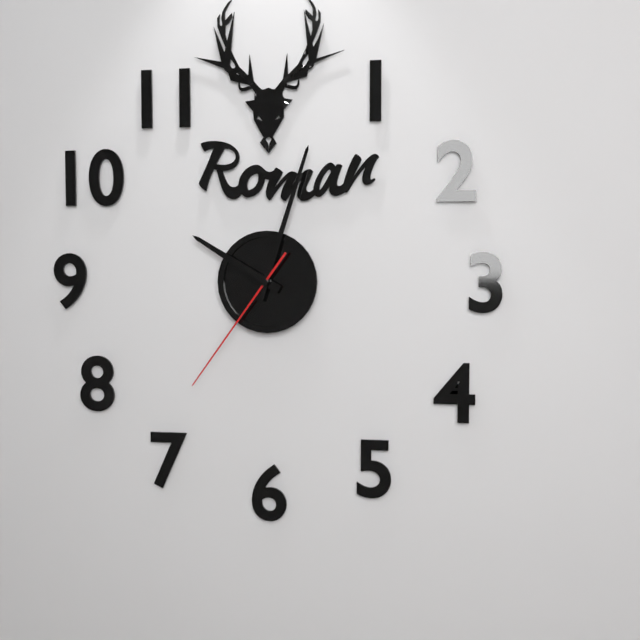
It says 10:03:36
